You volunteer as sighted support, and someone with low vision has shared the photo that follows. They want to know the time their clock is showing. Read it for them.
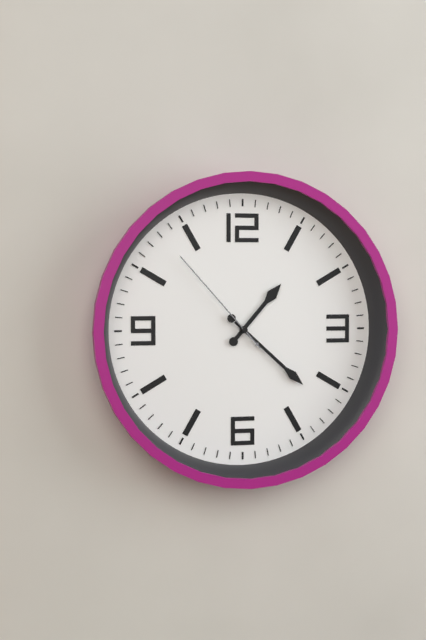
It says 1:22:53
